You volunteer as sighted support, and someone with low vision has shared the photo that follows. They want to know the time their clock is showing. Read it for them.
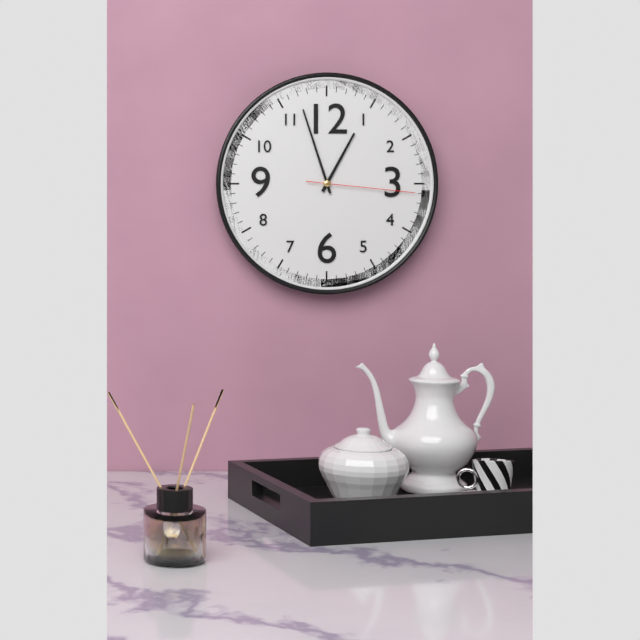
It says 12:57:16
